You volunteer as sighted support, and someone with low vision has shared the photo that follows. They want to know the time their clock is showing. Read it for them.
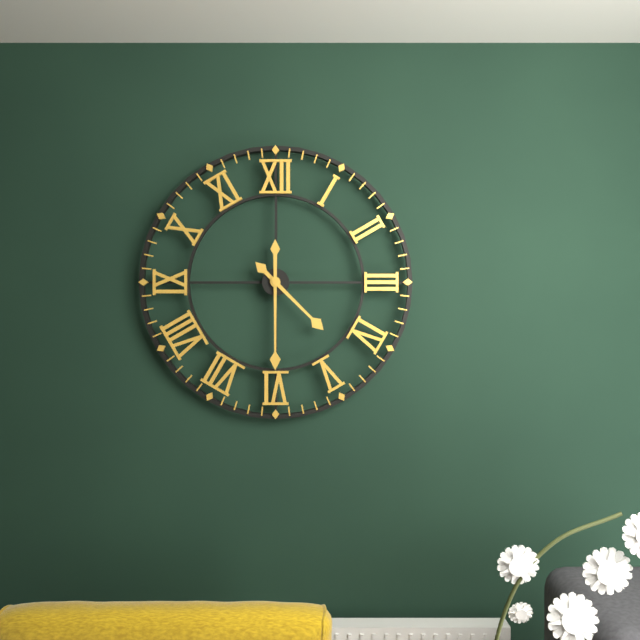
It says 4:30
